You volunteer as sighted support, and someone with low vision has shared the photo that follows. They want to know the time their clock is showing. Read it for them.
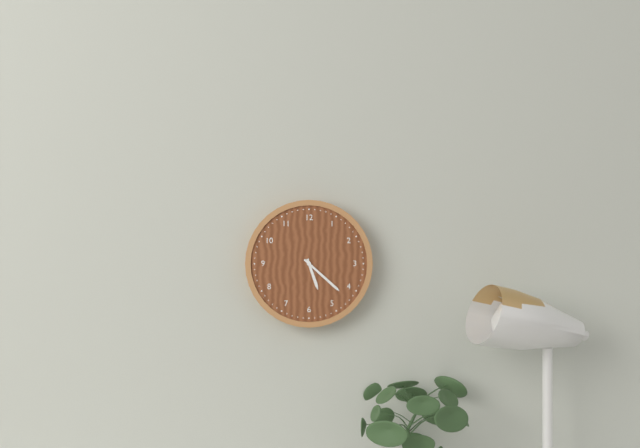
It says 5:22
